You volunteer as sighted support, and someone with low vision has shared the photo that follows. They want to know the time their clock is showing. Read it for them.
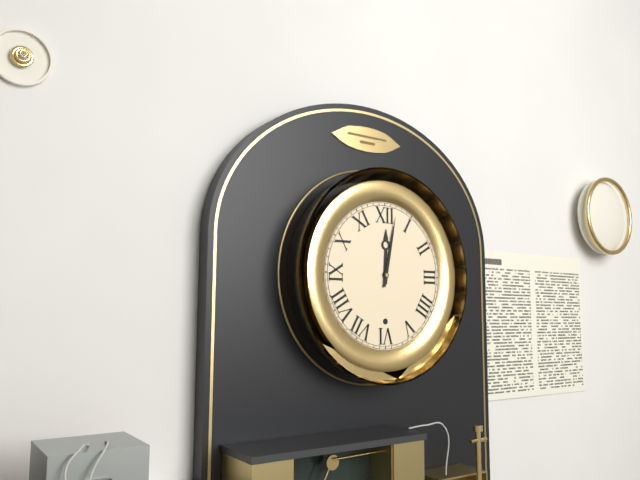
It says 12:02
